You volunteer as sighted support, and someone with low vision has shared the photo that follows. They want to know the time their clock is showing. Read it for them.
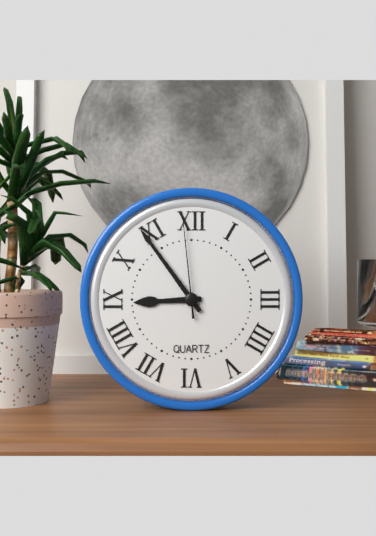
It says 8:54:59
